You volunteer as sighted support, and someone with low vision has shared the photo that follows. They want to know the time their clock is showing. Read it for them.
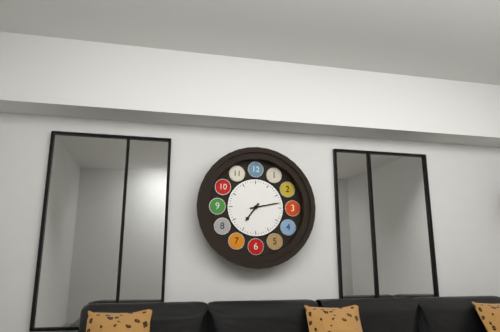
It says 7:13
